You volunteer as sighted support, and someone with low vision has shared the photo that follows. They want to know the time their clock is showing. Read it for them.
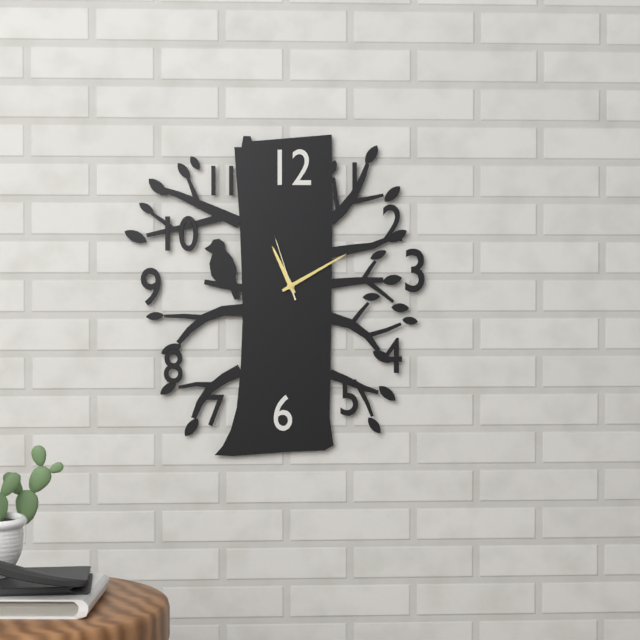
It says 11:10:57
